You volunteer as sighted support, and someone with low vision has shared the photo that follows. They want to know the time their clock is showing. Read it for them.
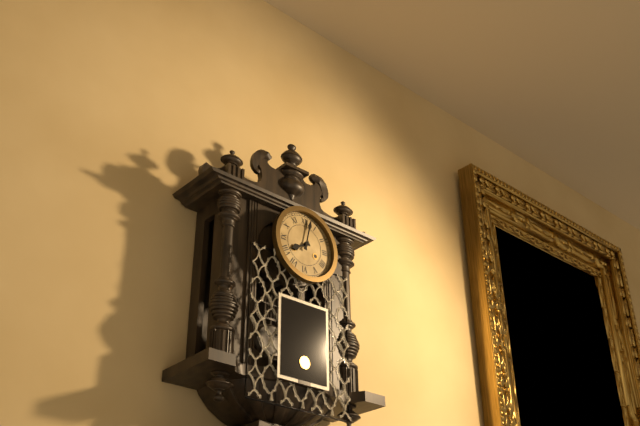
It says 8:02
